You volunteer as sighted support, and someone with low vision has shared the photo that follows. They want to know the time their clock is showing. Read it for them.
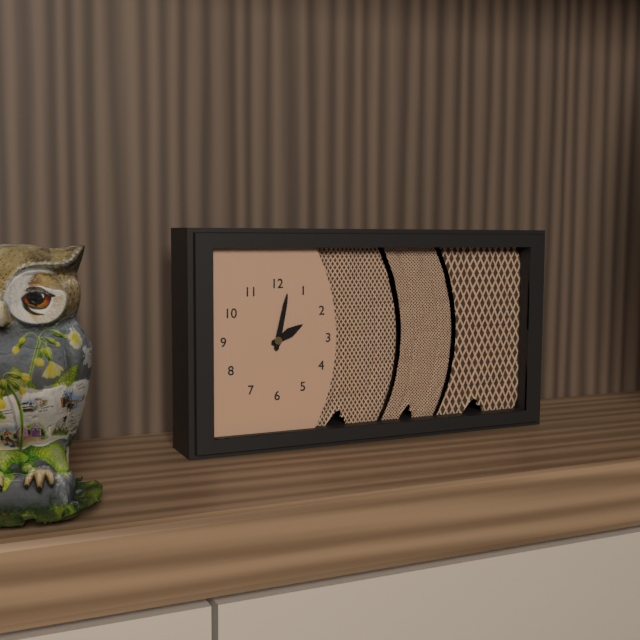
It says 2:02
